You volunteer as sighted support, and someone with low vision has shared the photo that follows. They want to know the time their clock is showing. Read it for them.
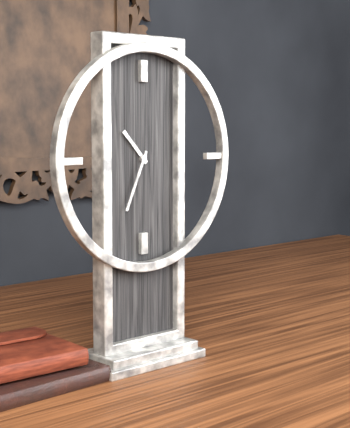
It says 10:34
